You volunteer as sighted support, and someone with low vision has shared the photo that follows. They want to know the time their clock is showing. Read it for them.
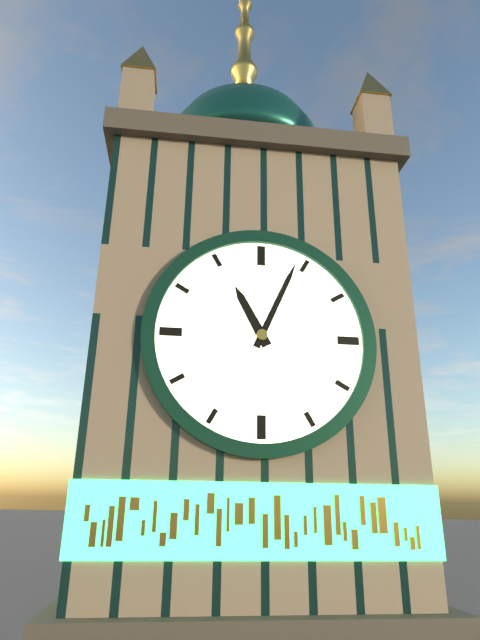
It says 11:04
